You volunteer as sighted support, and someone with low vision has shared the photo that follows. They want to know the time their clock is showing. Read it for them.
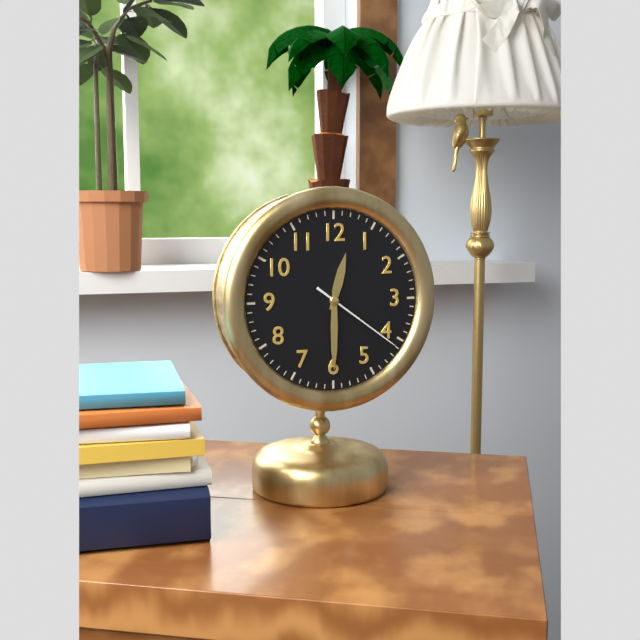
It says 12:30:21
